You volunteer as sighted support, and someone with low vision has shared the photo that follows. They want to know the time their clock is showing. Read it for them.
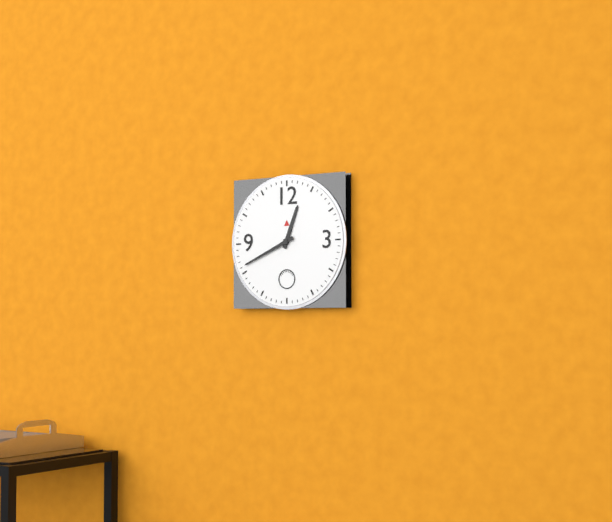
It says 12:41
